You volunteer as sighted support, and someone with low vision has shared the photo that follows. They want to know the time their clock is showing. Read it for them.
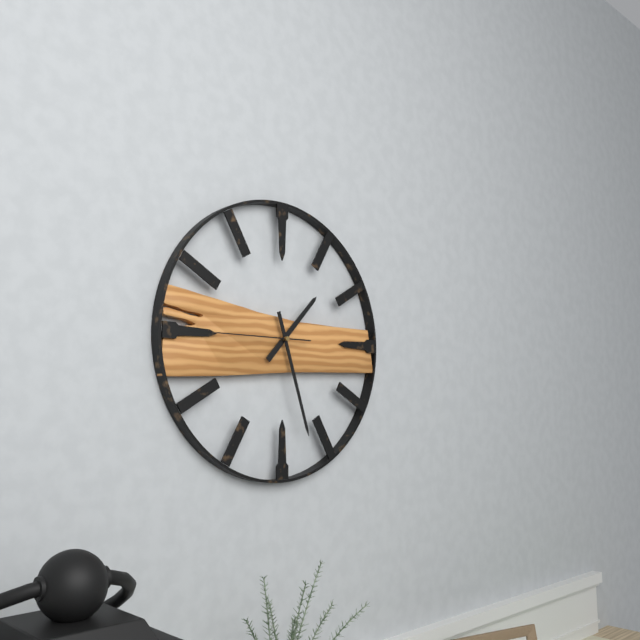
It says 1:27:45
